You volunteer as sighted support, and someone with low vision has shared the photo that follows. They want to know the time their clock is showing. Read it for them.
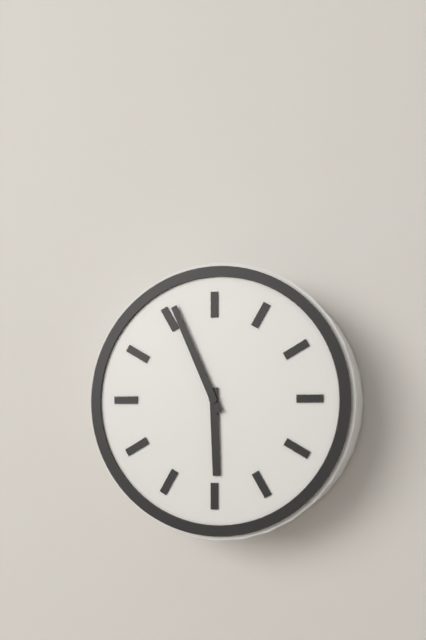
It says 5:56
